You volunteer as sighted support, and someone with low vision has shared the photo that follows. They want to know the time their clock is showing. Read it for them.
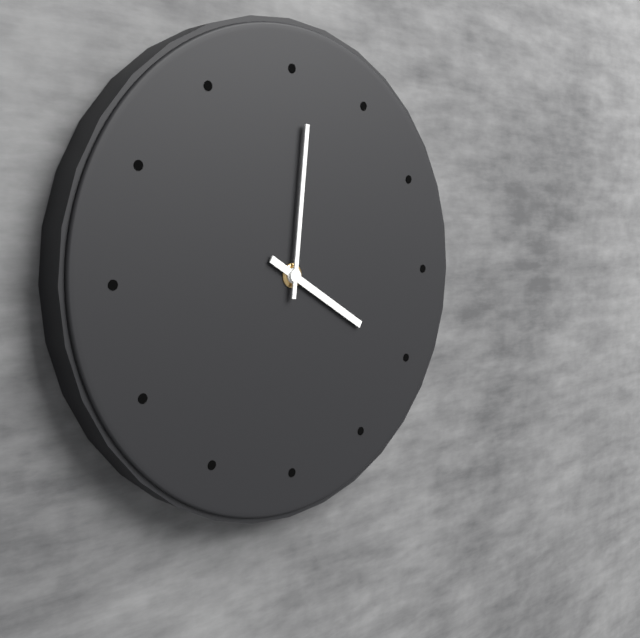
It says 4:01
